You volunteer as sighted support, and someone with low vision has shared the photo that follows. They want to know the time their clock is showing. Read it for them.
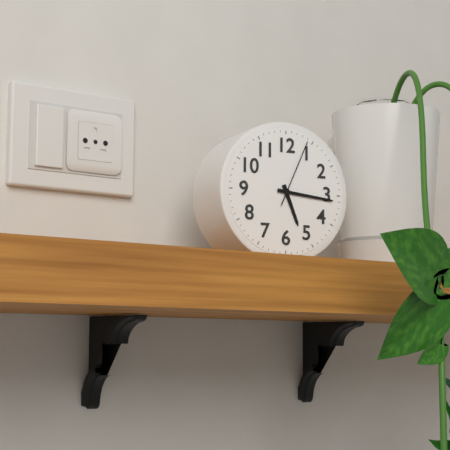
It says 5:16:04
